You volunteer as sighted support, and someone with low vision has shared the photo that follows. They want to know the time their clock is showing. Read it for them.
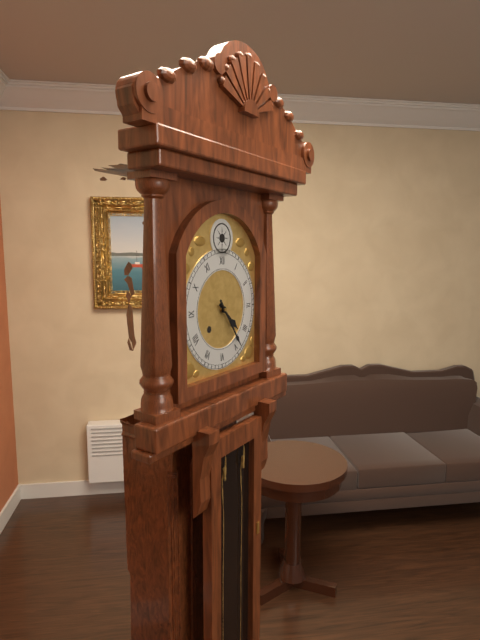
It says 4:24
